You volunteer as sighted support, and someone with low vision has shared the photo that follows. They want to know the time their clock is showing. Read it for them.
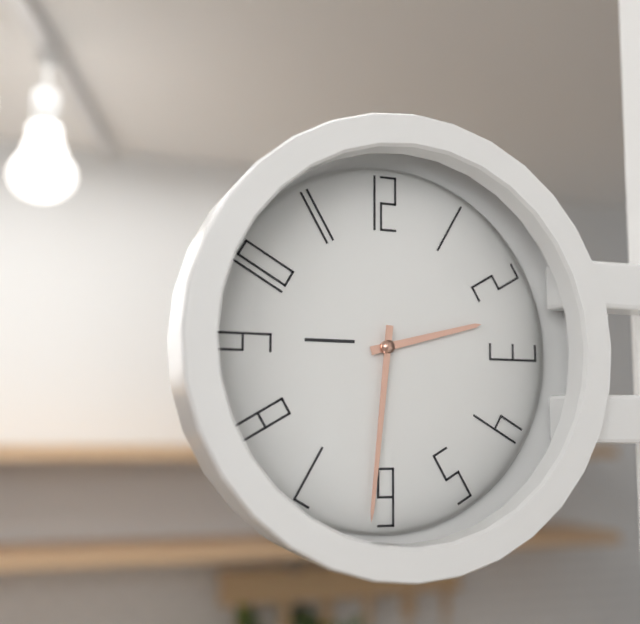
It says 2:31
